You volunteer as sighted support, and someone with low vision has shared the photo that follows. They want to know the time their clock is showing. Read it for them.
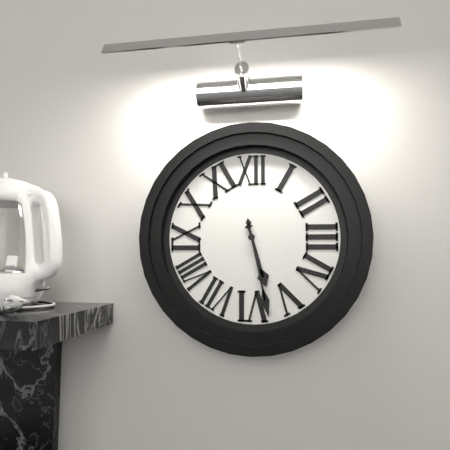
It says 5:28
